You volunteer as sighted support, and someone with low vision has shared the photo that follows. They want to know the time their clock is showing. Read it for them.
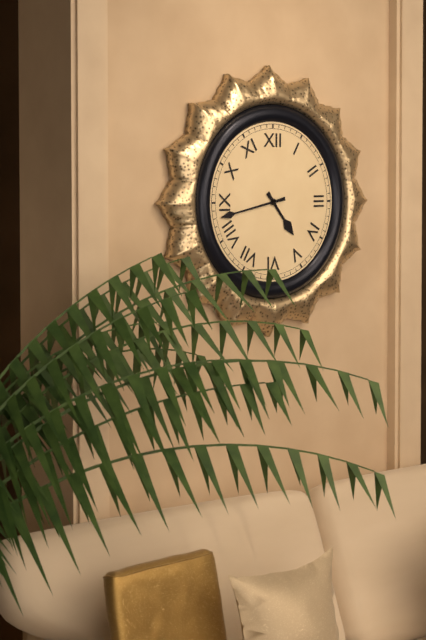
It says 4:43
